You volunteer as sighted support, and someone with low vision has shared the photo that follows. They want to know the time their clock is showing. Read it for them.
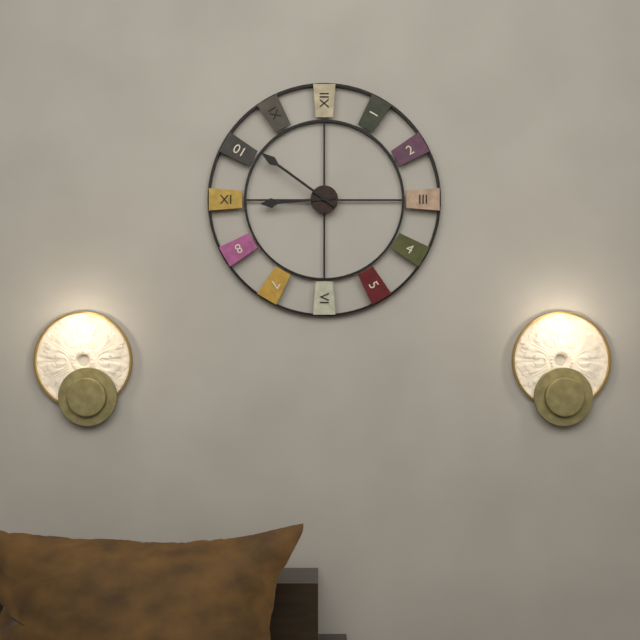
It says 8:51
